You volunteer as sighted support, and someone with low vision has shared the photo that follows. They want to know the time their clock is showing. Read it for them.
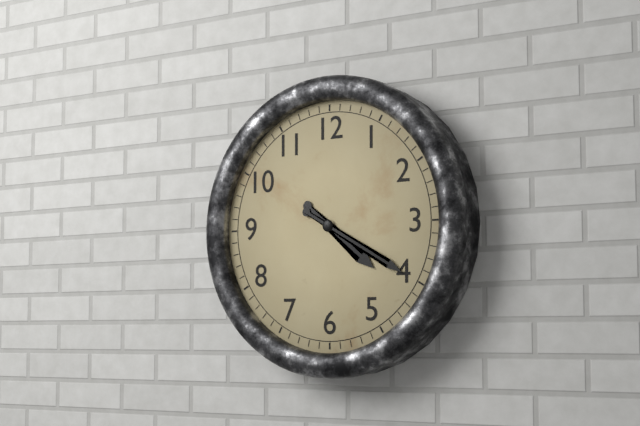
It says 4:20
